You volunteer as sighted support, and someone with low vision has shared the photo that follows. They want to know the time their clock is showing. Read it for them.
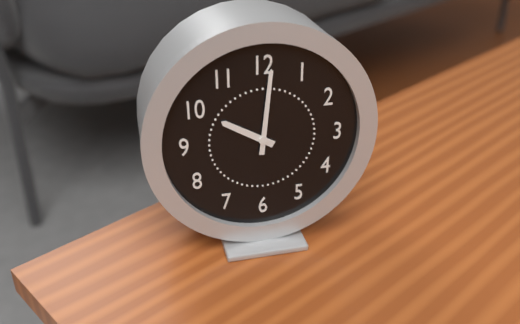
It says 10:01
